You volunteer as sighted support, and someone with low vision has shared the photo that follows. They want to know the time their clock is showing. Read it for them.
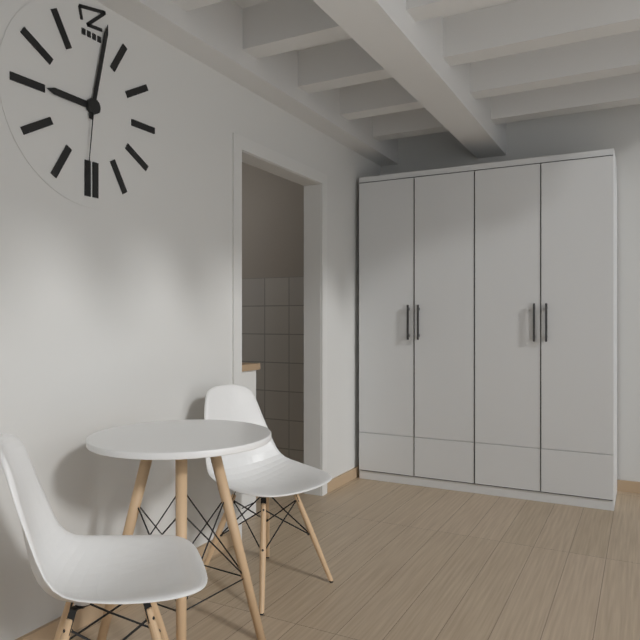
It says 9:02:31
